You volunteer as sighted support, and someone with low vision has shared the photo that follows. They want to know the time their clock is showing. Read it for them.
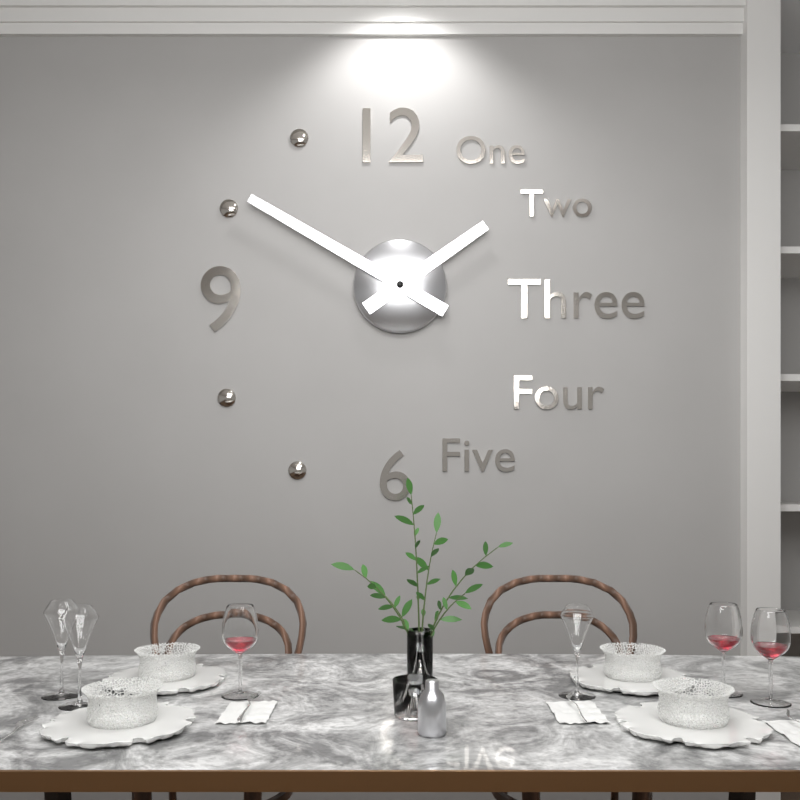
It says 1:50
